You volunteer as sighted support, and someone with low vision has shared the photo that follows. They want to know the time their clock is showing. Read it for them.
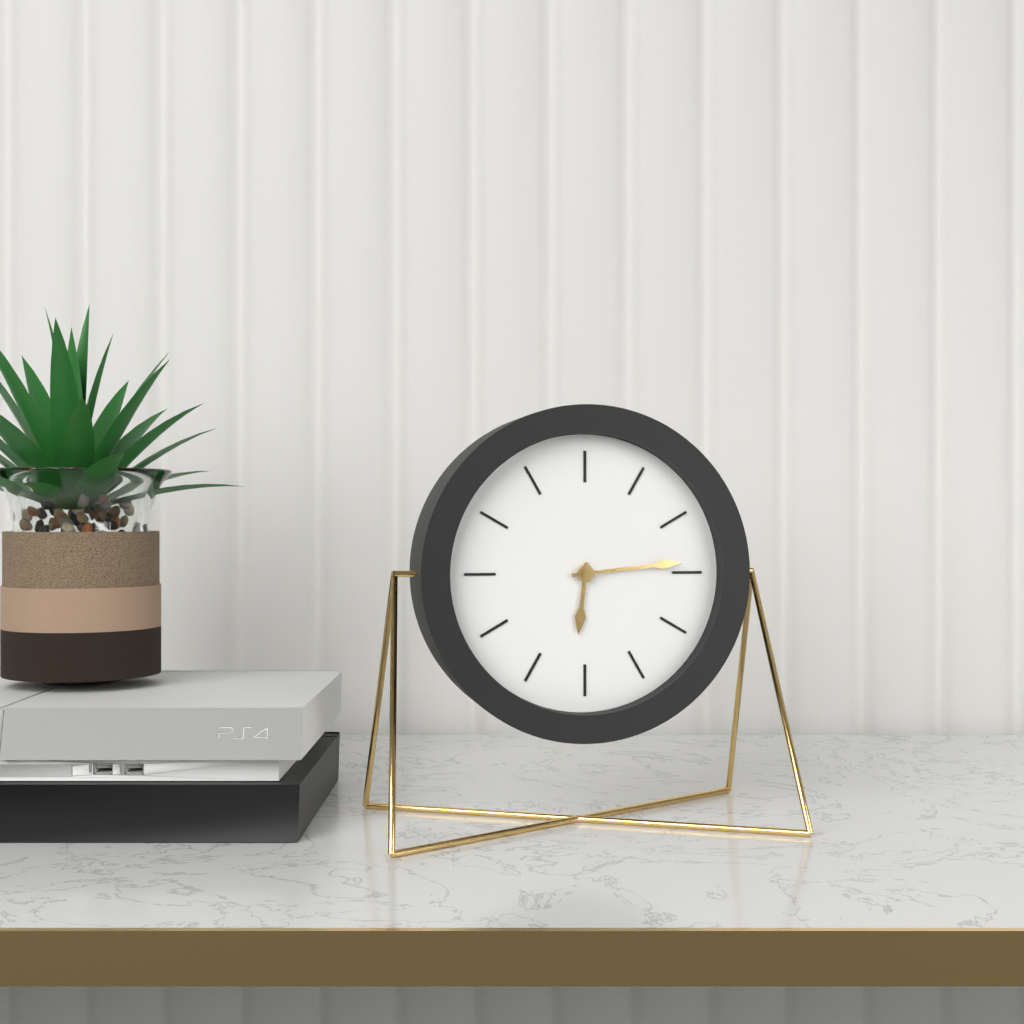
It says 6:14
